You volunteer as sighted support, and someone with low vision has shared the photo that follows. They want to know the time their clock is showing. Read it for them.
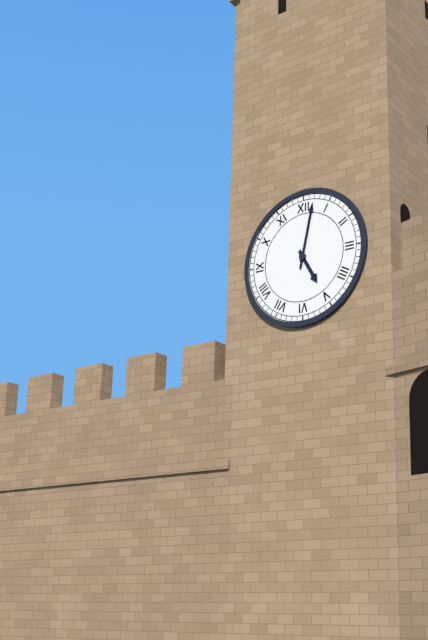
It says 5:02
